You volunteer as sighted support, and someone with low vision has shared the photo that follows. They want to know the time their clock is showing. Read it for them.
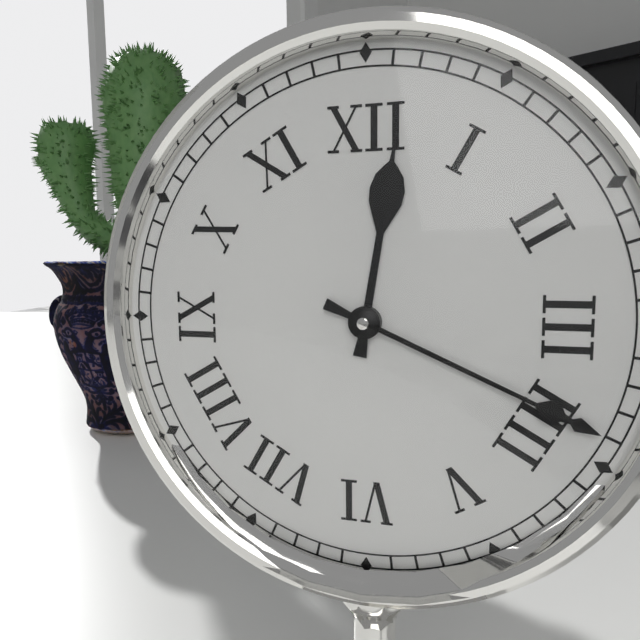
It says 12:19
